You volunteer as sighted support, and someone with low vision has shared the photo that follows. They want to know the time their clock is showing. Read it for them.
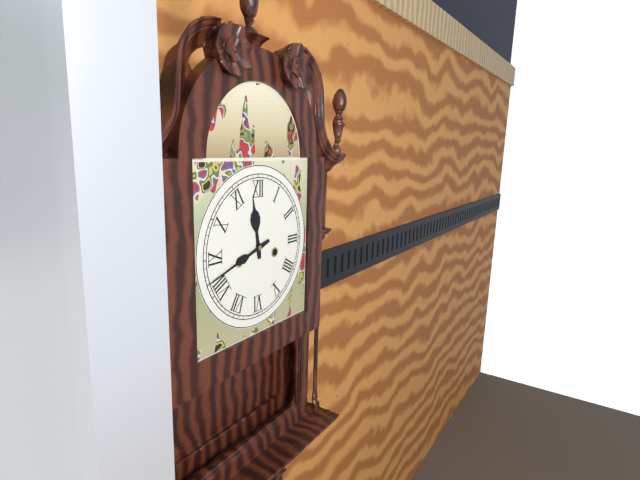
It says 11:42
